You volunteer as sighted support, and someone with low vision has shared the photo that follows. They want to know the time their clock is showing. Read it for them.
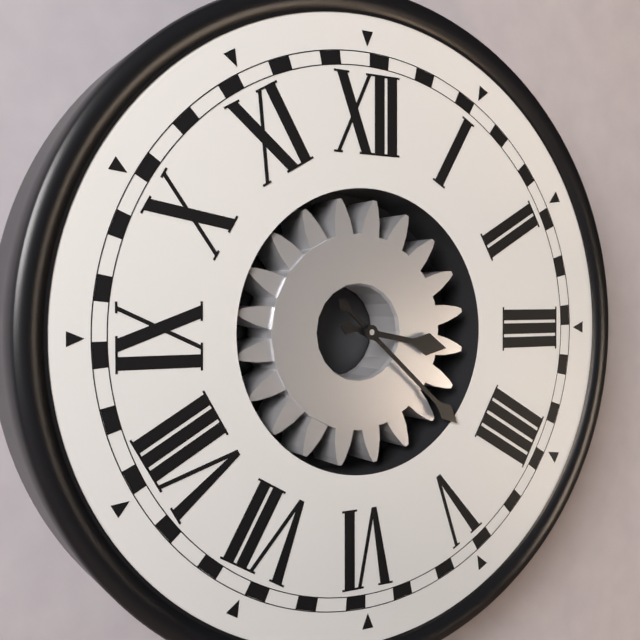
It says 3:22
